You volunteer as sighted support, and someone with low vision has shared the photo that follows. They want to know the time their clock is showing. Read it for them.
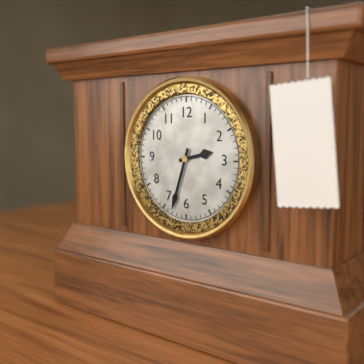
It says 2:33
